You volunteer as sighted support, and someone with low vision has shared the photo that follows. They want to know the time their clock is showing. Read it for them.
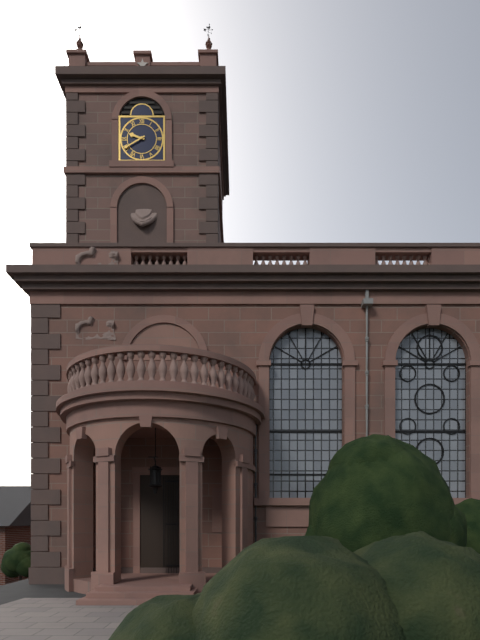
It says 9:40
